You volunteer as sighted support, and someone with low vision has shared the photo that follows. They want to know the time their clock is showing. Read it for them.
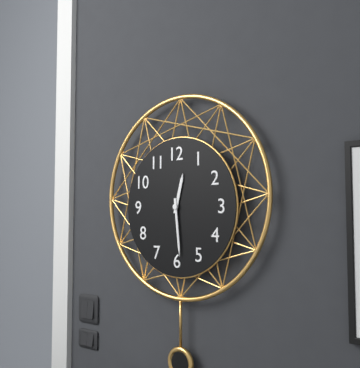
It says 12:29
